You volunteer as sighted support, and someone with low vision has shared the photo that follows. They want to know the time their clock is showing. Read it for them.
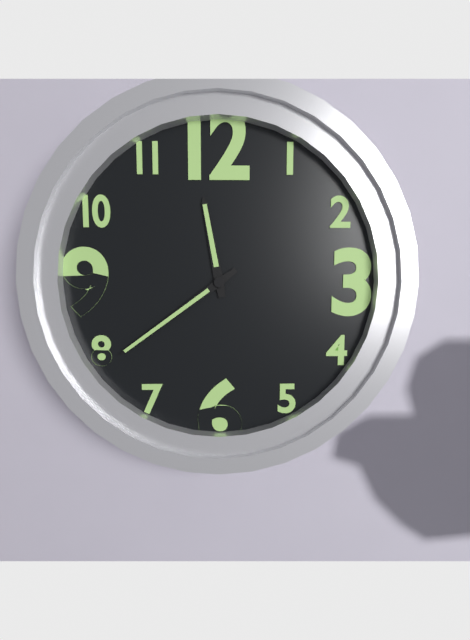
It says 11:39
